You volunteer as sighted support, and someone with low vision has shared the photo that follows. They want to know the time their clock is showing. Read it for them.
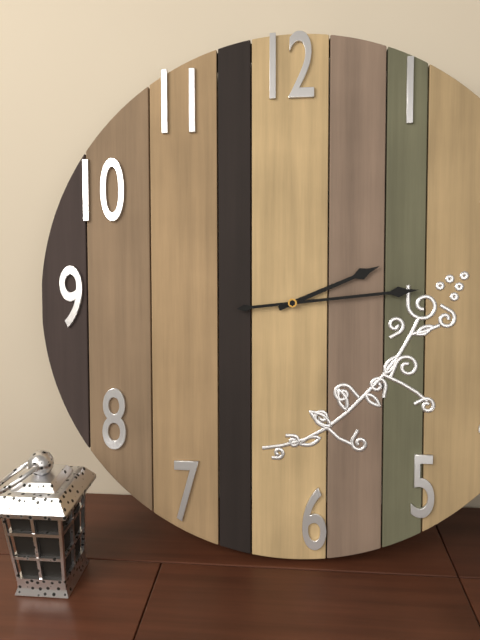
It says 2:14
